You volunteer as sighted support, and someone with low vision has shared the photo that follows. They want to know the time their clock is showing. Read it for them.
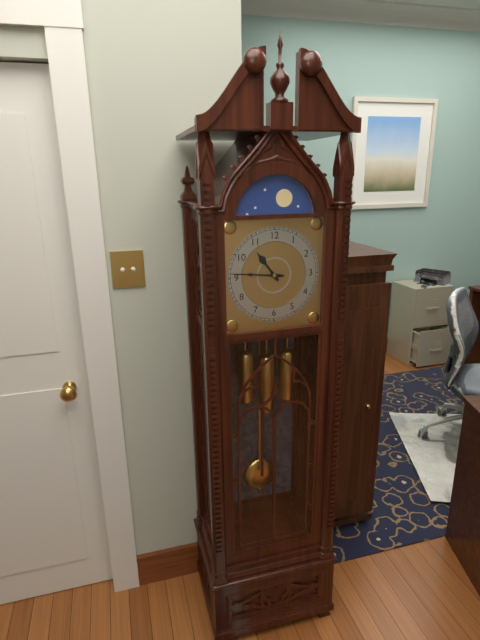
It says 10:46
